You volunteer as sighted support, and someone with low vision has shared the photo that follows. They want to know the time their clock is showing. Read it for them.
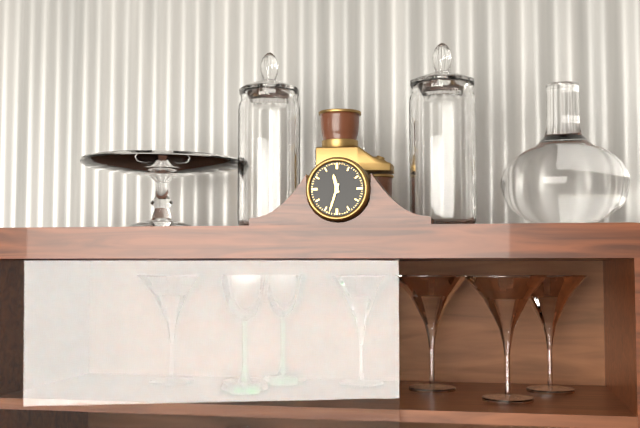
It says 11:33
